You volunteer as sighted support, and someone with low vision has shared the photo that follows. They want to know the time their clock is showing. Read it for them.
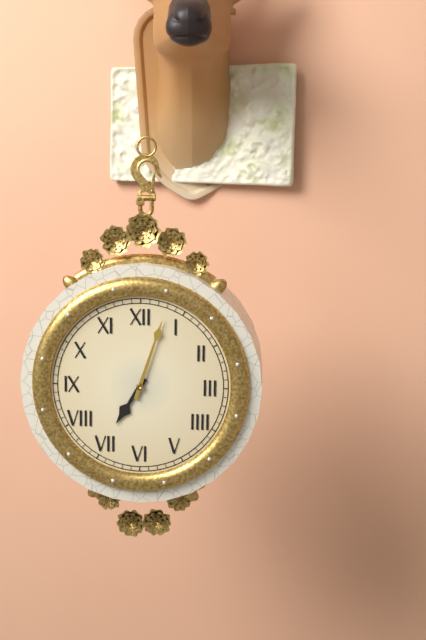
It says 7:03
